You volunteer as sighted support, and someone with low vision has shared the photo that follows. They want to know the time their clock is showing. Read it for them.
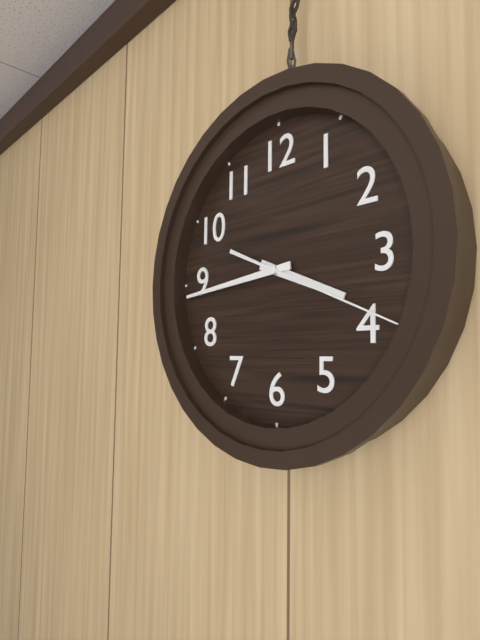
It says 3:44:19
